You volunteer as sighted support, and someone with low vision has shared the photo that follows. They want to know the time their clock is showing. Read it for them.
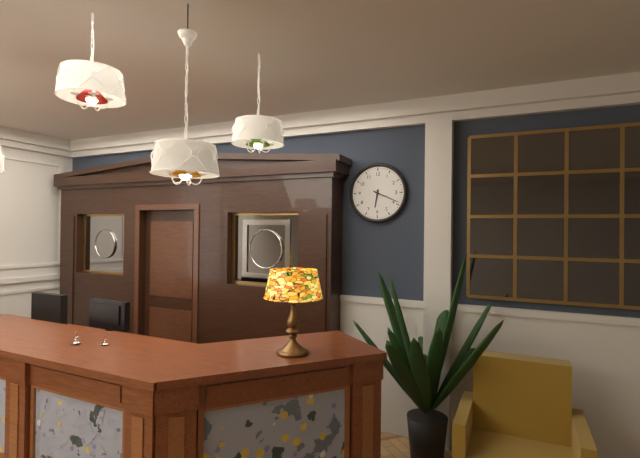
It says 6:19
